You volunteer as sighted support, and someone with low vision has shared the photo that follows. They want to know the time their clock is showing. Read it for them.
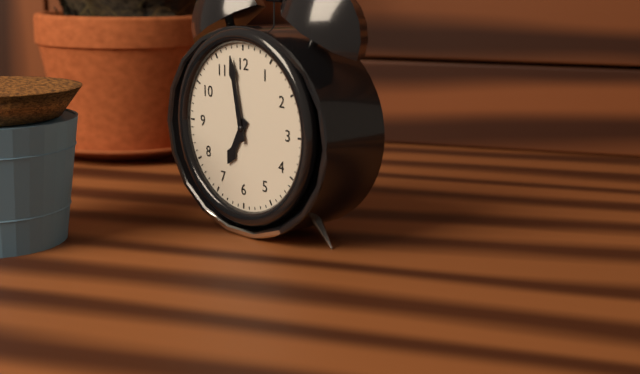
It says 6:58
